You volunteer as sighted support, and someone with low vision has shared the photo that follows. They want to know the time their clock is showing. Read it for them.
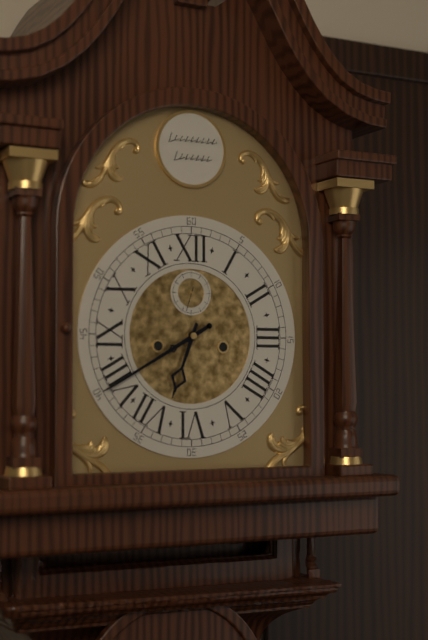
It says 6:40:33
